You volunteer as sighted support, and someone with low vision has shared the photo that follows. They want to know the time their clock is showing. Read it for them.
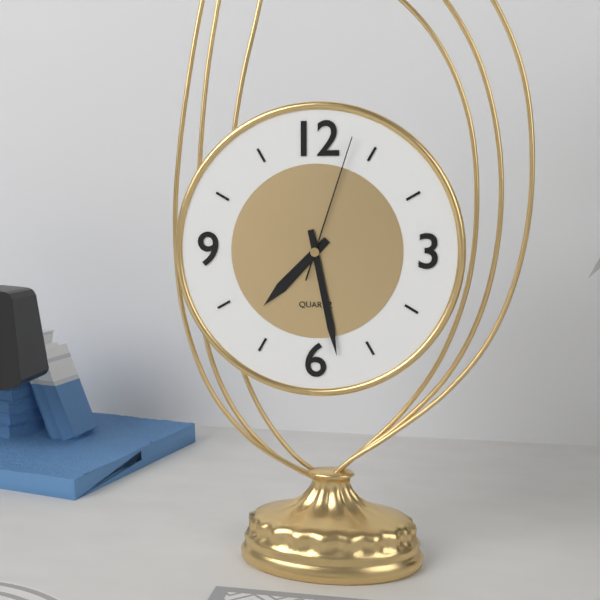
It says 7:28:03
